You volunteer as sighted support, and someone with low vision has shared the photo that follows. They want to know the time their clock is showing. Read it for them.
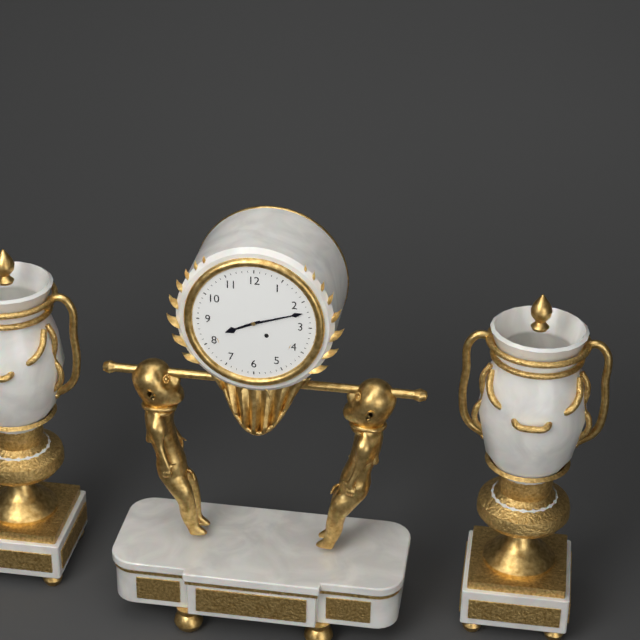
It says 8:12
